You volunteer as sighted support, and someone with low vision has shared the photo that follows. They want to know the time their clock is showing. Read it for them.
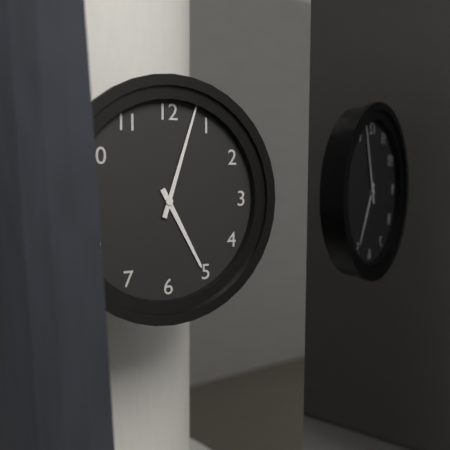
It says 5:03
